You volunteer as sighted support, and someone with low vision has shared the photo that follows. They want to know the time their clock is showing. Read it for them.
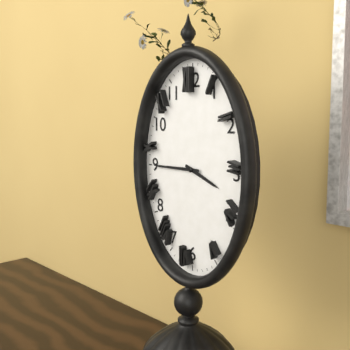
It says 3:45
